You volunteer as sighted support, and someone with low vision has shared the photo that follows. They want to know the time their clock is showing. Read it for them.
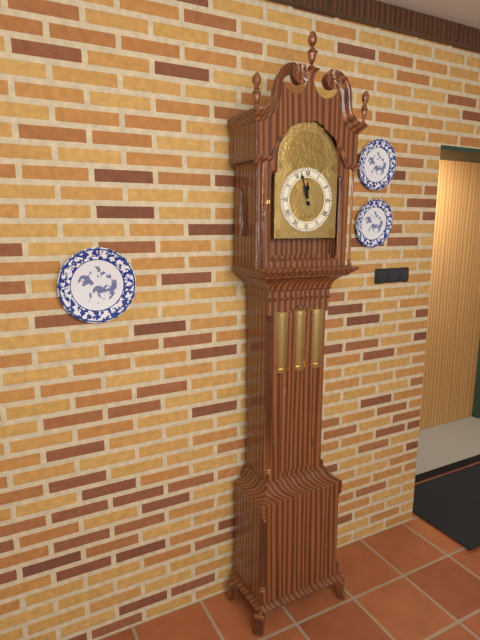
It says 11:57
